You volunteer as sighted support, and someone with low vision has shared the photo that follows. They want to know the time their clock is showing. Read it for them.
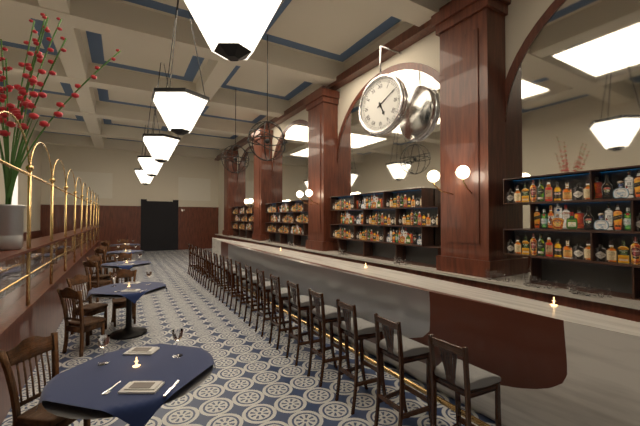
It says 5:10
